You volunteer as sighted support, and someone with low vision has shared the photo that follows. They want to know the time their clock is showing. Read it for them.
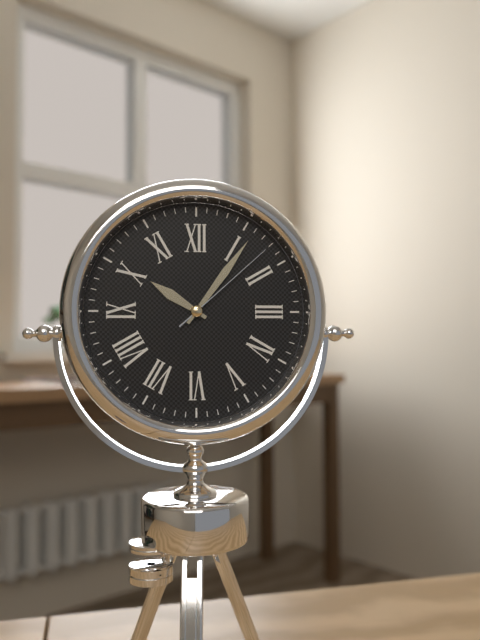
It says 10:06:08
